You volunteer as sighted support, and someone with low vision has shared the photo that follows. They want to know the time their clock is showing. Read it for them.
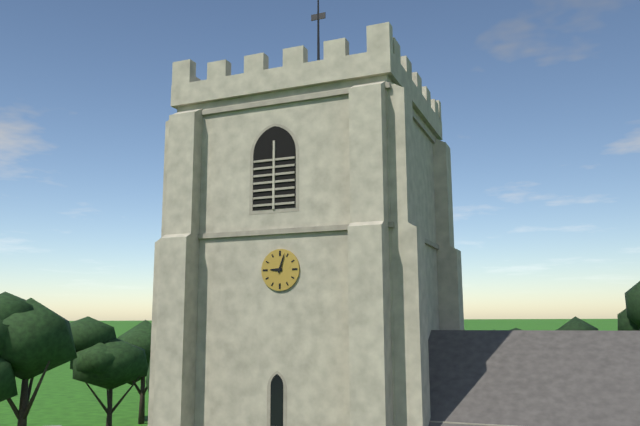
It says 9:03
